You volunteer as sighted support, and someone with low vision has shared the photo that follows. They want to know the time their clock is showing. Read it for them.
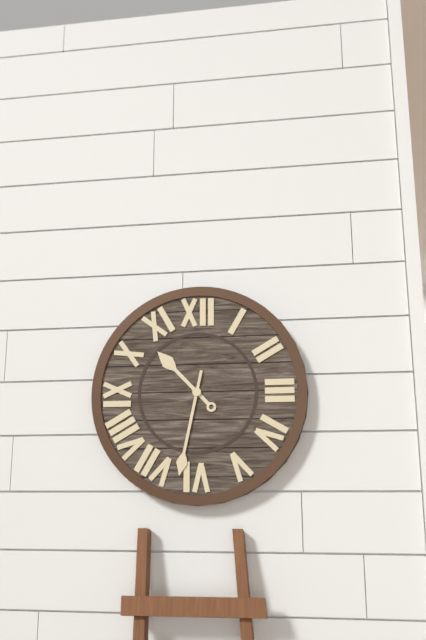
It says 10:32
